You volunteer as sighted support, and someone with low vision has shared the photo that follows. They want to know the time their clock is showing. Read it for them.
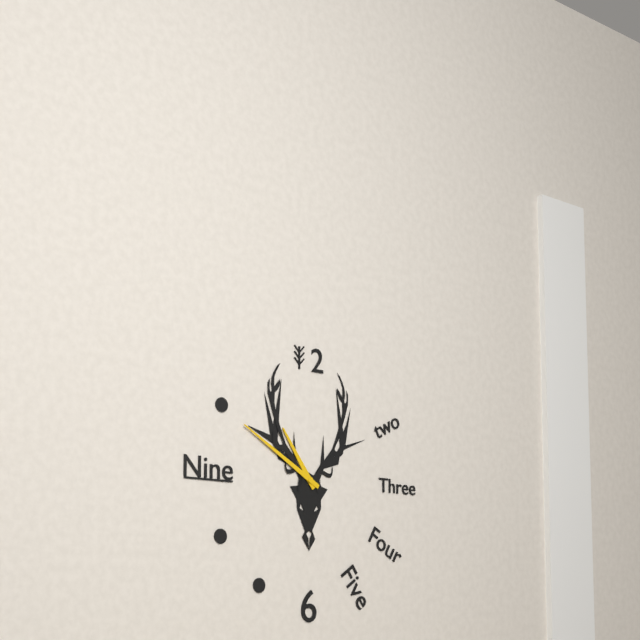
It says 10:50
